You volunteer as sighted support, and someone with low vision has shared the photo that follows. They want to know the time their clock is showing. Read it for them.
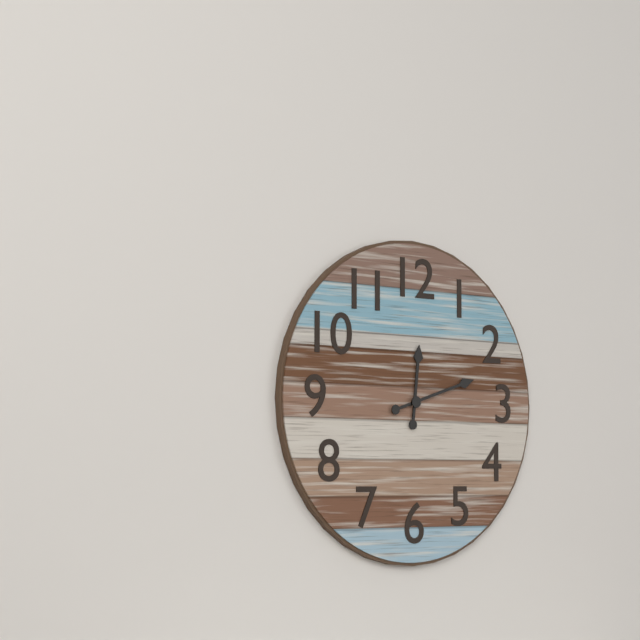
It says 12:12
